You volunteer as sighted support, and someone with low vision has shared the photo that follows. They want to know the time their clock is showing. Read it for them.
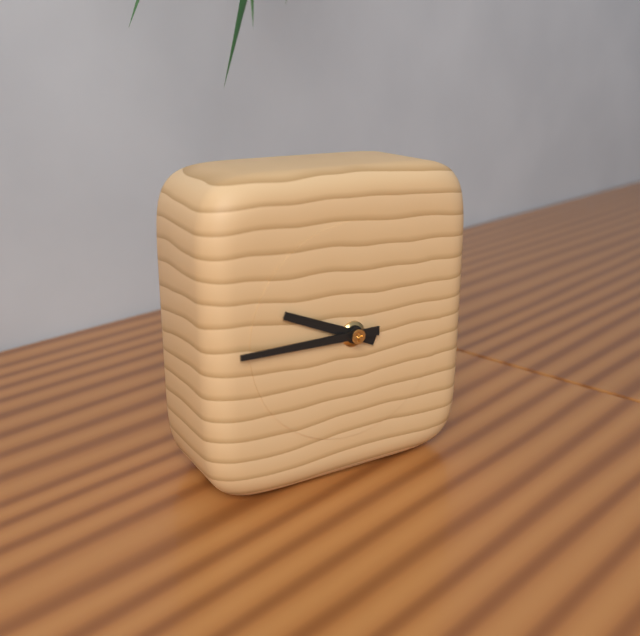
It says 9:45
